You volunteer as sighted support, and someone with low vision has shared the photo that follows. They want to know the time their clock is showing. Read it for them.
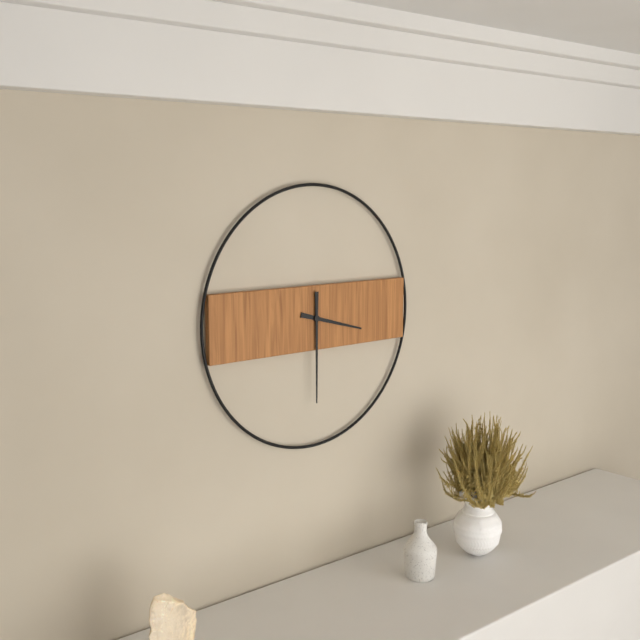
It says 3:30
